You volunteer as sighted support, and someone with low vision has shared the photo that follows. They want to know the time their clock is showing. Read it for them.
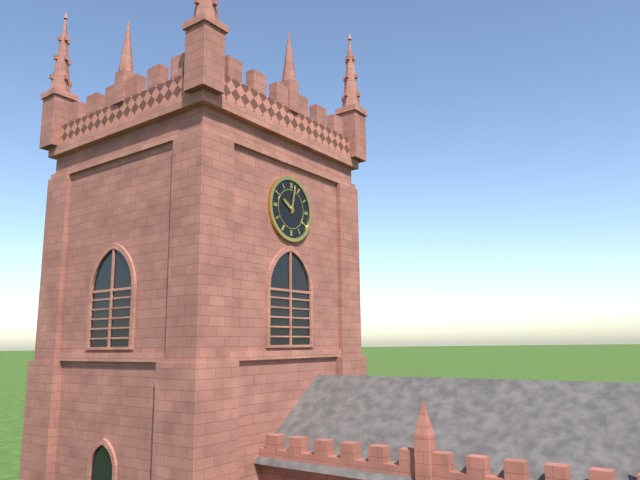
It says 10:02
